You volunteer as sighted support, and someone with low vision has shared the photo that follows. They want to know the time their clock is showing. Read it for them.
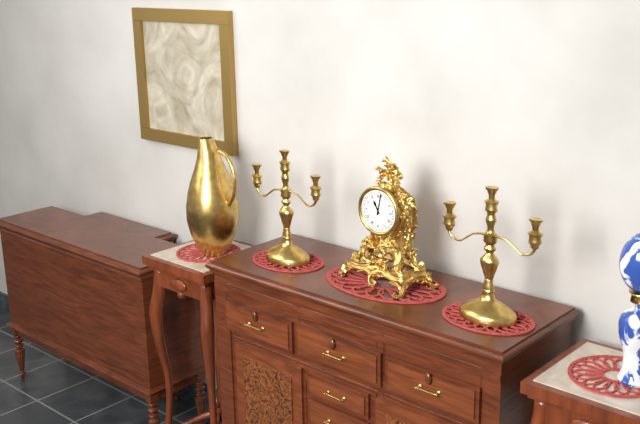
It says 11:02
